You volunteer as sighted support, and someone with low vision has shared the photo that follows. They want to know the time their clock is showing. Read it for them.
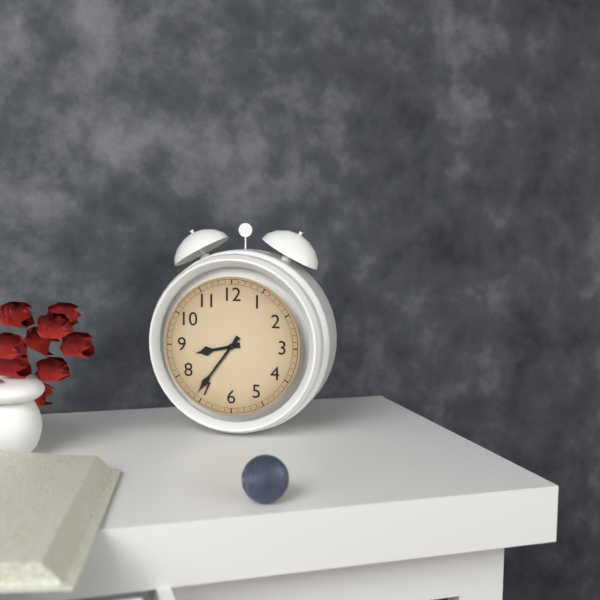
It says 8:36
